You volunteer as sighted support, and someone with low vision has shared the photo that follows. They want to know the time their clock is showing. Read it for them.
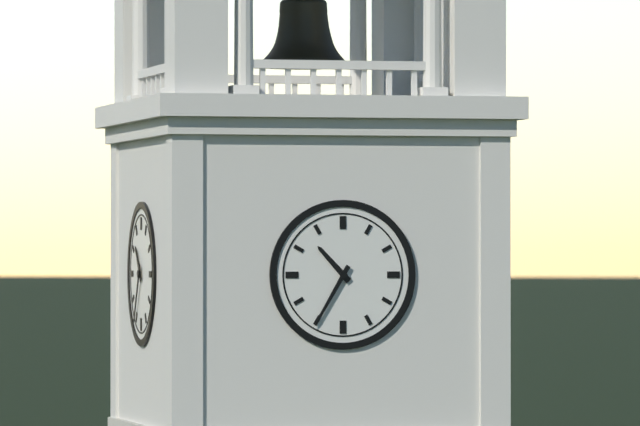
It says 10:35
